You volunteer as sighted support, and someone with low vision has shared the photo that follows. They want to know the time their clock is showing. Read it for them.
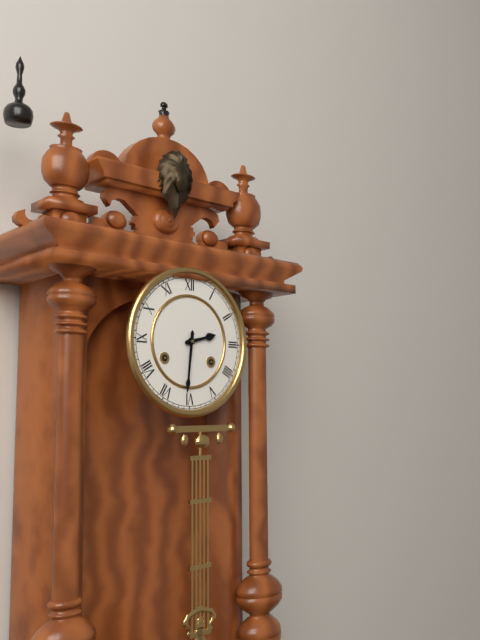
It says 2:31
